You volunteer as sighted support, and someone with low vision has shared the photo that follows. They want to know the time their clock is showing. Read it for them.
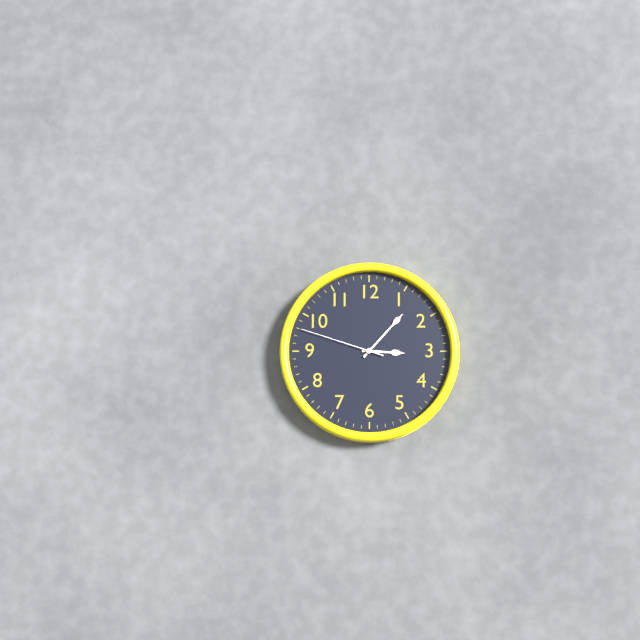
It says 3:07:48
